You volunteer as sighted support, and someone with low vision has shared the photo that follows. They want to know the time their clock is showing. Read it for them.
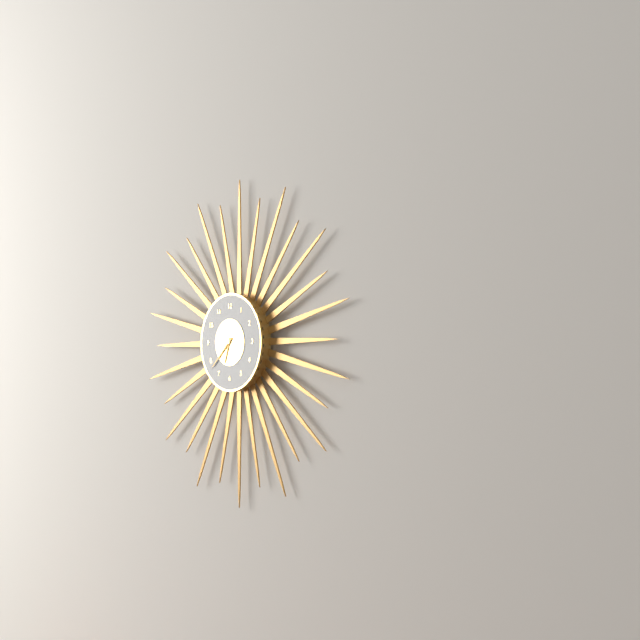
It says 6:38
